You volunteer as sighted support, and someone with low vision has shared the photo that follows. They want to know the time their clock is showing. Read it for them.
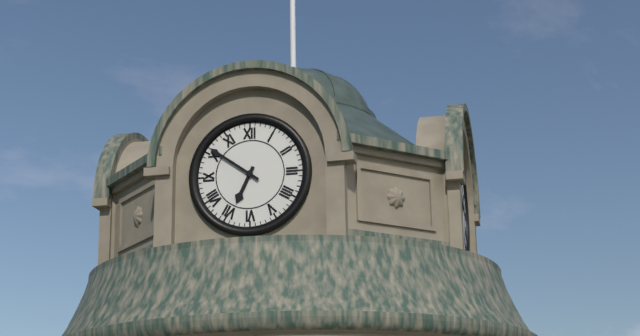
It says 6:51
